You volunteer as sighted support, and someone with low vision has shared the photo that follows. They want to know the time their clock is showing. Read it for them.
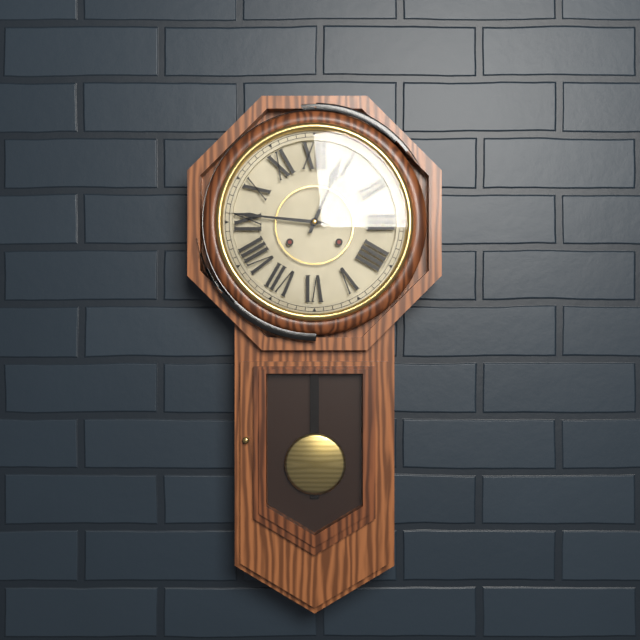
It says 12:46
